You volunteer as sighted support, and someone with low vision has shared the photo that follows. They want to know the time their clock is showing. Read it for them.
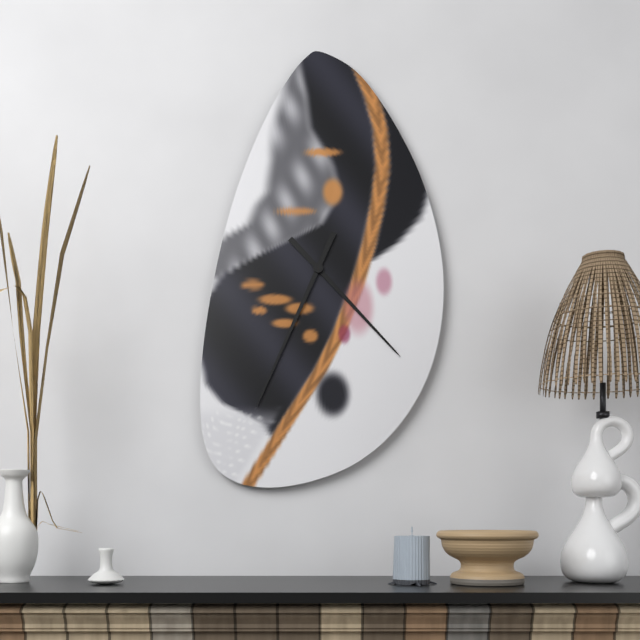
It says 4:34
